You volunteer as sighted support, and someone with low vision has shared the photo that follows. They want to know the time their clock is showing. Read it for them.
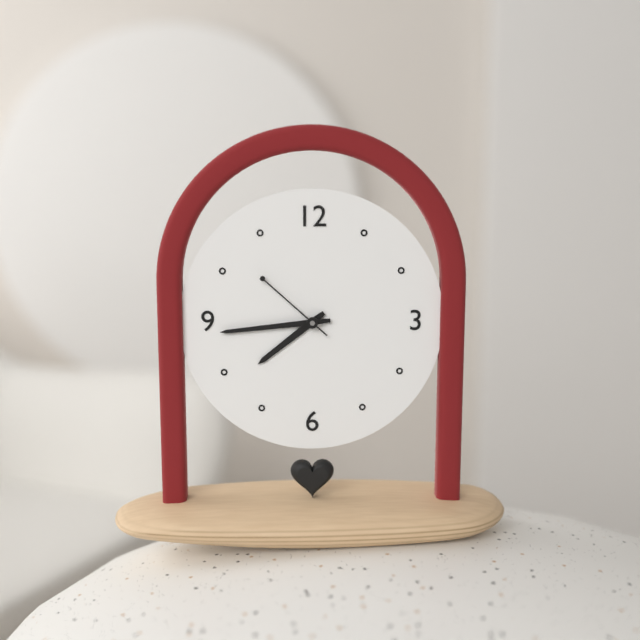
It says 7:44:52
